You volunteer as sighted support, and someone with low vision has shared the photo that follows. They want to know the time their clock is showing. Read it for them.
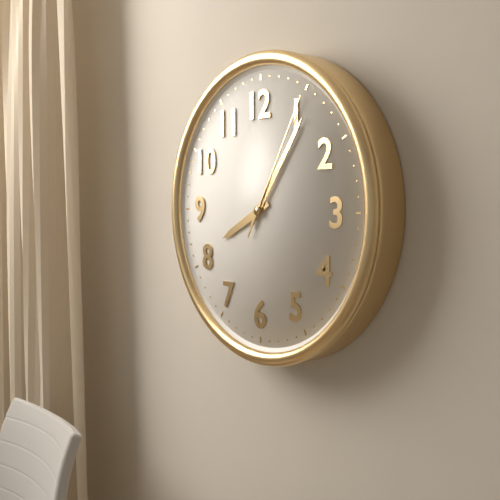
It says 8:06:05
